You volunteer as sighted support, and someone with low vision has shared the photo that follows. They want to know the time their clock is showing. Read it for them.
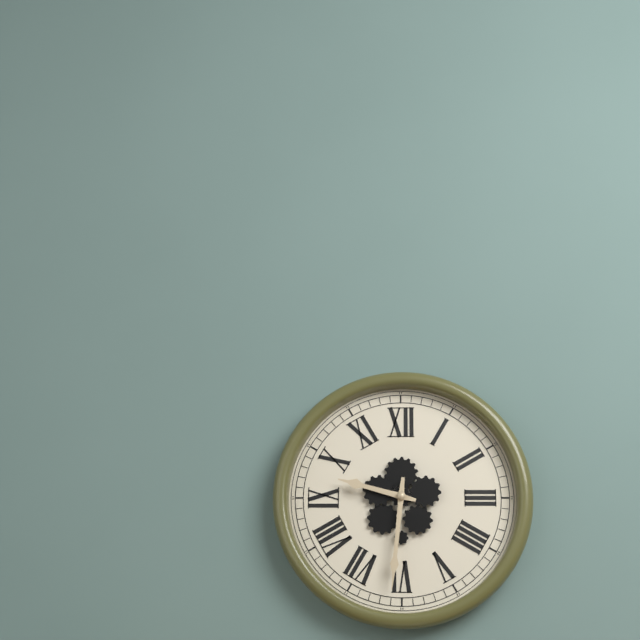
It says 9:31
